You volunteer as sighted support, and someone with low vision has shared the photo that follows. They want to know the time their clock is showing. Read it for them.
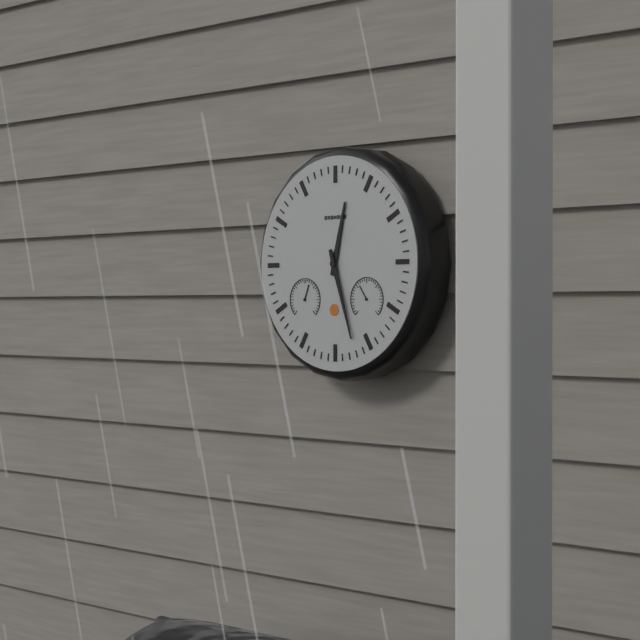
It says 12:27
